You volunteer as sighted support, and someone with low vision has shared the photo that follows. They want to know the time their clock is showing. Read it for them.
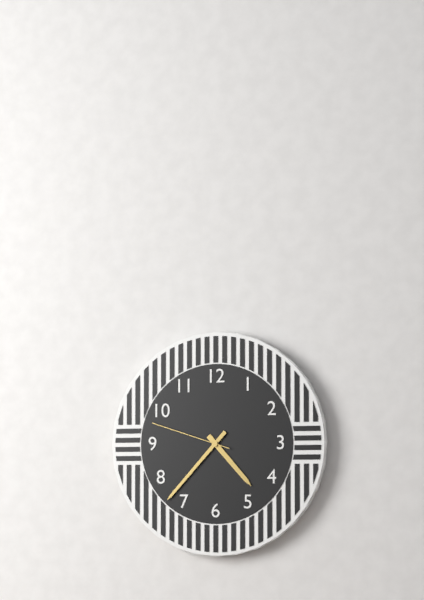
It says 4:37:48
